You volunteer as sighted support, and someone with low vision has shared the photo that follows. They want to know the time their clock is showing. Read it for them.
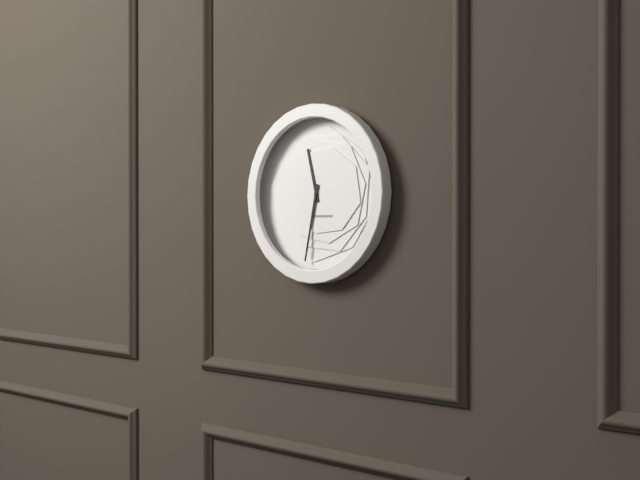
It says 11:32
